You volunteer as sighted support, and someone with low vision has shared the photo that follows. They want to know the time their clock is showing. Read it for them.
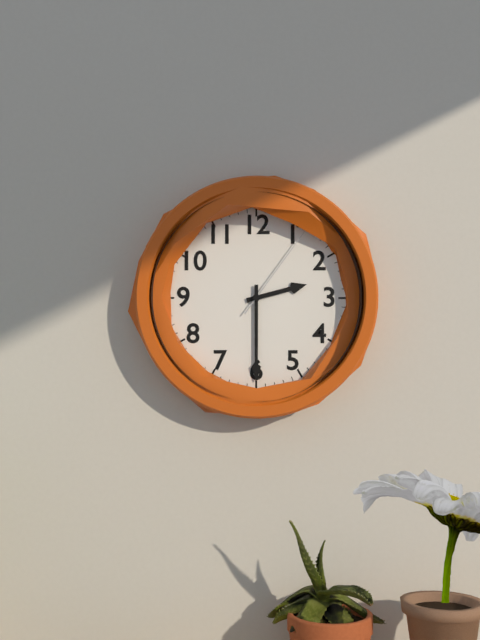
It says 2:30:06
